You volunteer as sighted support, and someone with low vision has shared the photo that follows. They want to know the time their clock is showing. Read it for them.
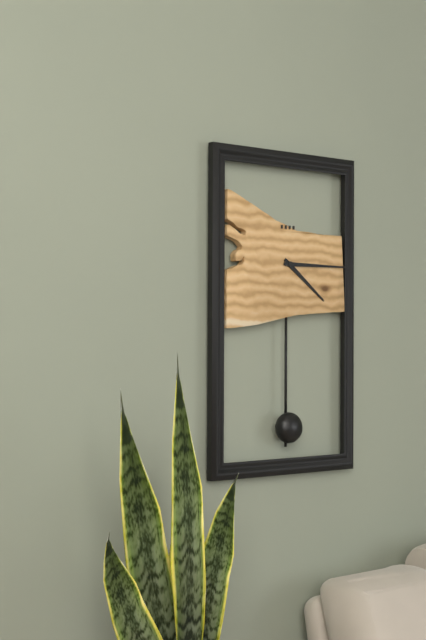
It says 4:15
